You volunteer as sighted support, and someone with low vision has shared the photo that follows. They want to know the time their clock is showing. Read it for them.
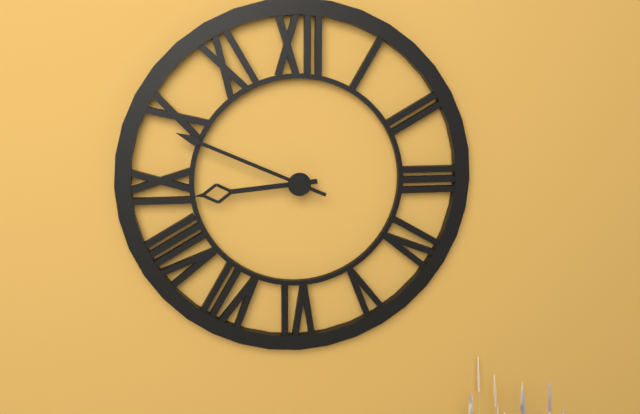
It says 8:49
